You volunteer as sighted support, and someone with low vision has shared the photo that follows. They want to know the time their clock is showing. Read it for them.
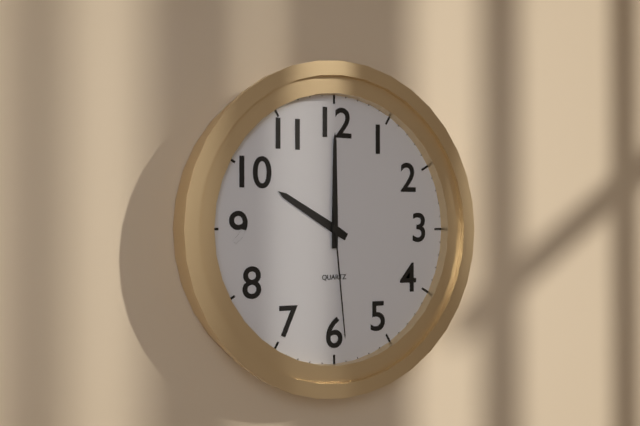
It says 10:00:29
